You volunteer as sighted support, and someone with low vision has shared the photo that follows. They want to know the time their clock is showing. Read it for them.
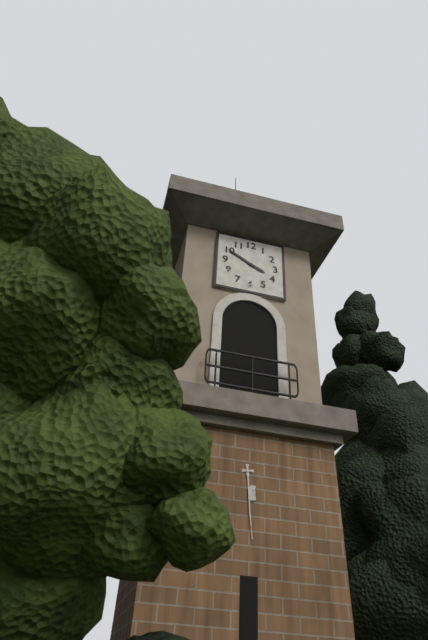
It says 3:50
